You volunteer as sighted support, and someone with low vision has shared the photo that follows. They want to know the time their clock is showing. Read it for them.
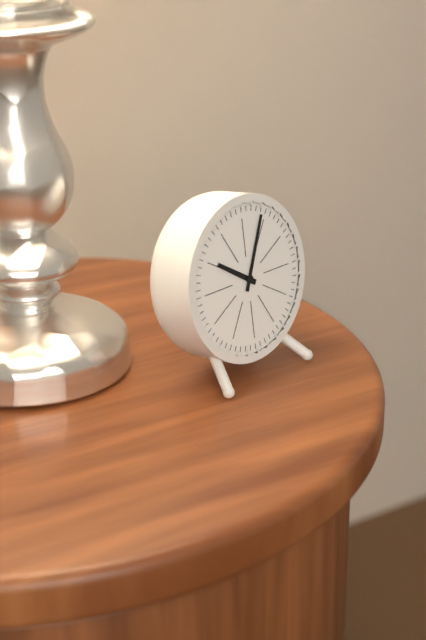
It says 10:04
